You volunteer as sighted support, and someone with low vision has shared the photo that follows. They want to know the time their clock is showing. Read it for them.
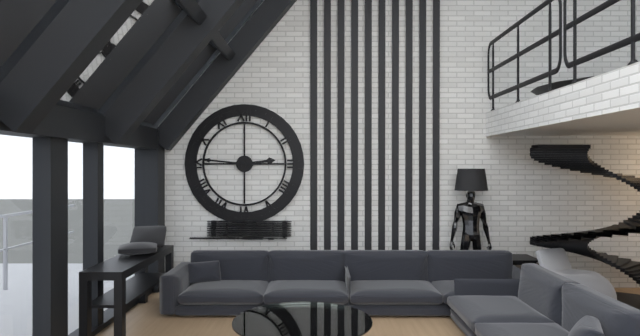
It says 2:46
